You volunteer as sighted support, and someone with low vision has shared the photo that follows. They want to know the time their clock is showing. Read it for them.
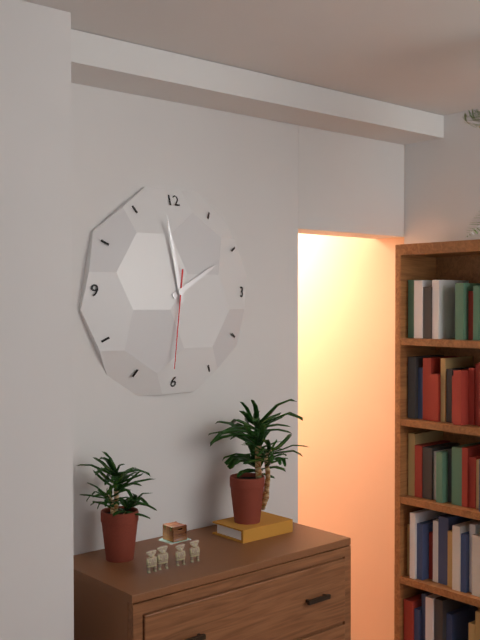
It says 1:58:31
